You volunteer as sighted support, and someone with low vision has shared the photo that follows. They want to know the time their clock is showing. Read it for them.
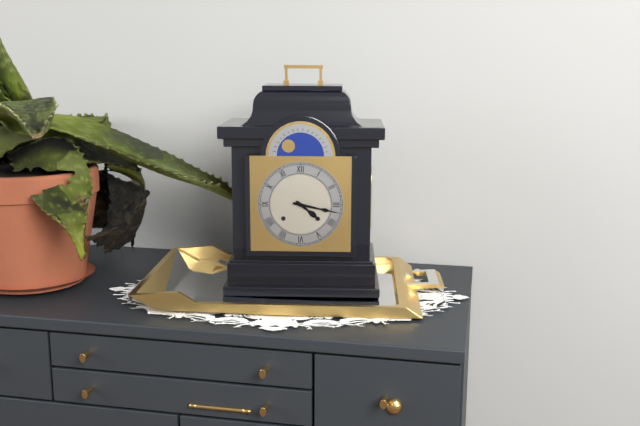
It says 4:17
